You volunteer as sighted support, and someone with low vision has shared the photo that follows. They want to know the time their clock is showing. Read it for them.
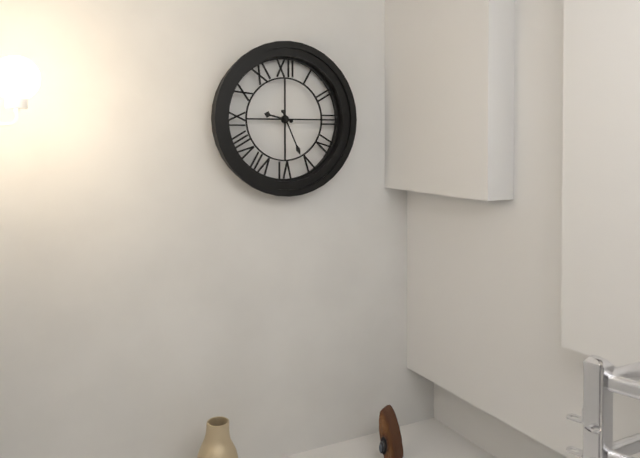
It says 9:26
